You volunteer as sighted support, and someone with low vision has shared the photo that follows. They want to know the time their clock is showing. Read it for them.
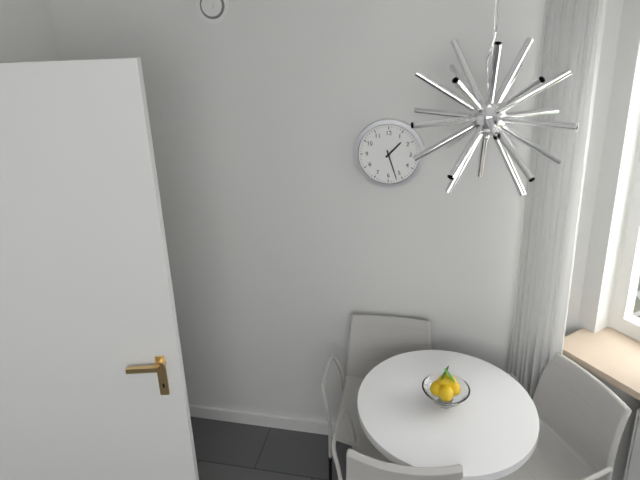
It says 1:27
